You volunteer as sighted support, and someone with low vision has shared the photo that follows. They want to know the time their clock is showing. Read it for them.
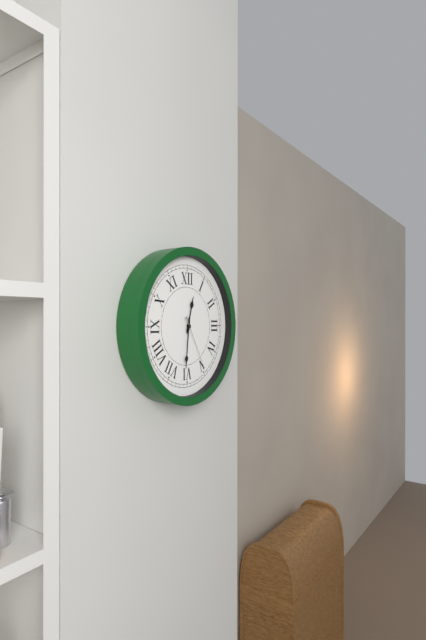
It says 12:31:25
